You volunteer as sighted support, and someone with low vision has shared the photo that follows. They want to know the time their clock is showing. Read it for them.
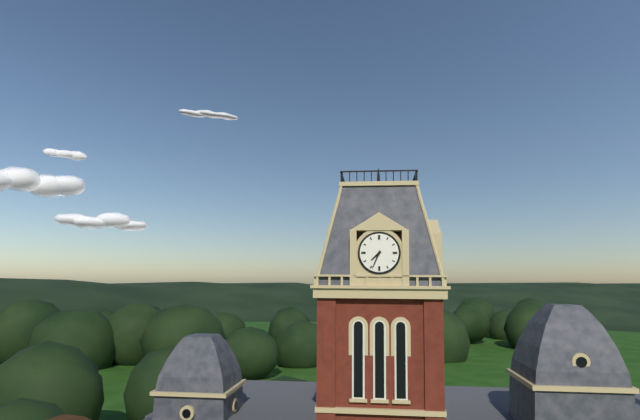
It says 7:34
